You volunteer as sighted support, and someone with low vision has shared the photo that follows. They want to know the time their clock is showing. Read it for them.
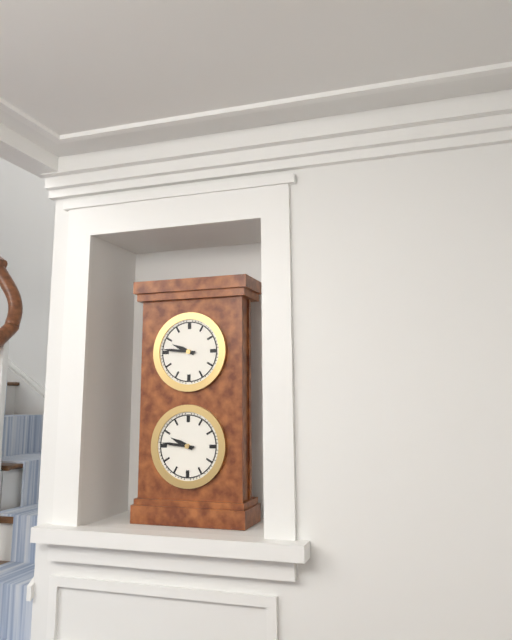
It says 9:46
